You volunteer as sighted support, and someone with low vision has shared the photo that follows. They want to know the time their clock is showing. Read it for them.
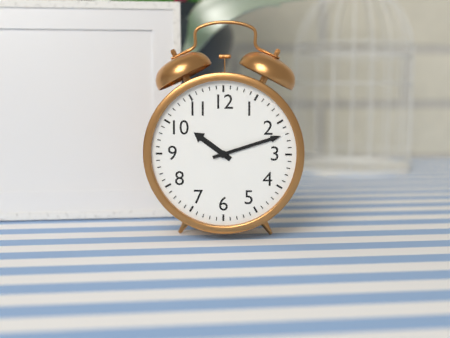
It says 10:12
